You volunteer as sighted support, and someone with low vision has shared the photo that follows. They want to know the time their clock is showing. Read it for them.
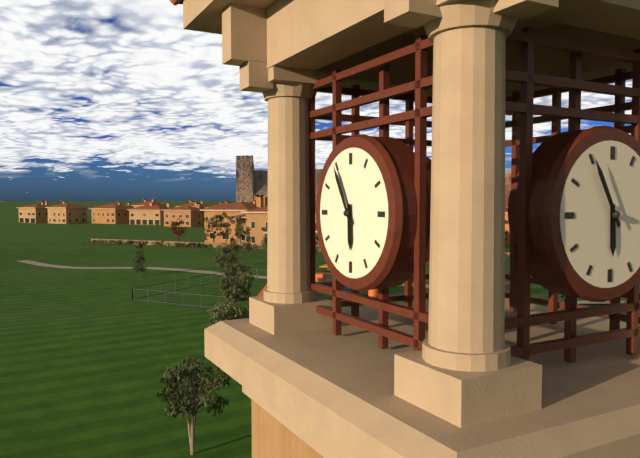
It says 5:55
